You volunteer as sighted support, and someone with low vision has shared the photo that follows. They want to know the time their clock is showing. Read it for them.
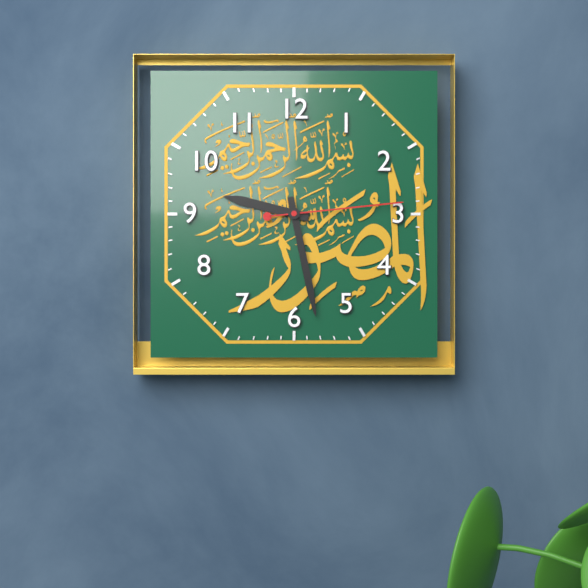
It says 9:28:14
